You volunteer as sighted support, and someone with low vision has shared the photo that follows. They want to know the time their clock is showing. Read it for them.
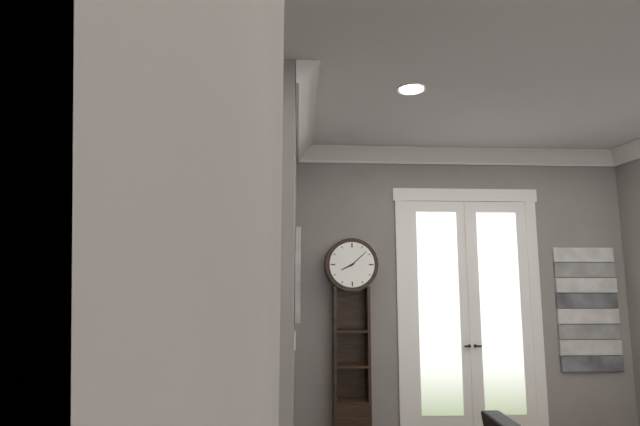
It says 8:08
